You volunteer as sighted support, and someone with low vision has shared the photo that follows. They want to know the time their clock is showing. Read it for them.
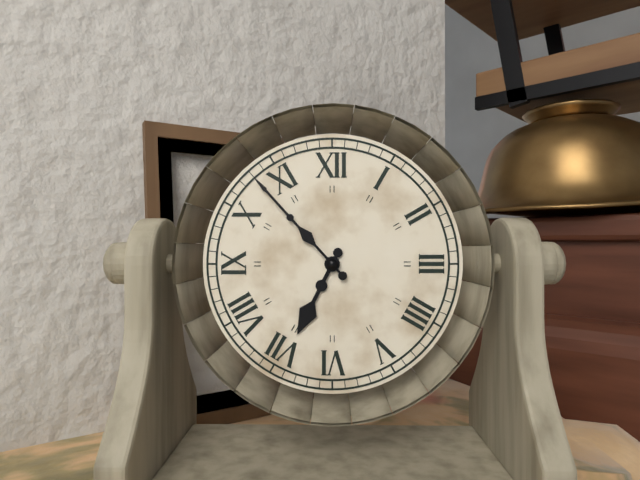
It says 6:53
